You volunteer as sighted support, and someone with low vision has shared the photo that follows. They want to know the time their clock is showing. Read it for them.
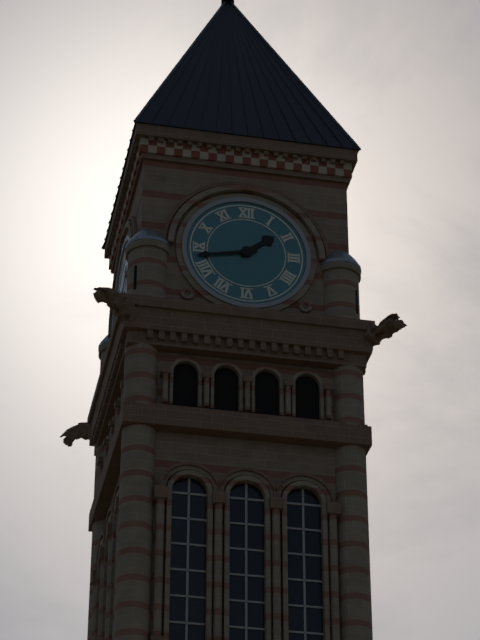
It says 1:43
